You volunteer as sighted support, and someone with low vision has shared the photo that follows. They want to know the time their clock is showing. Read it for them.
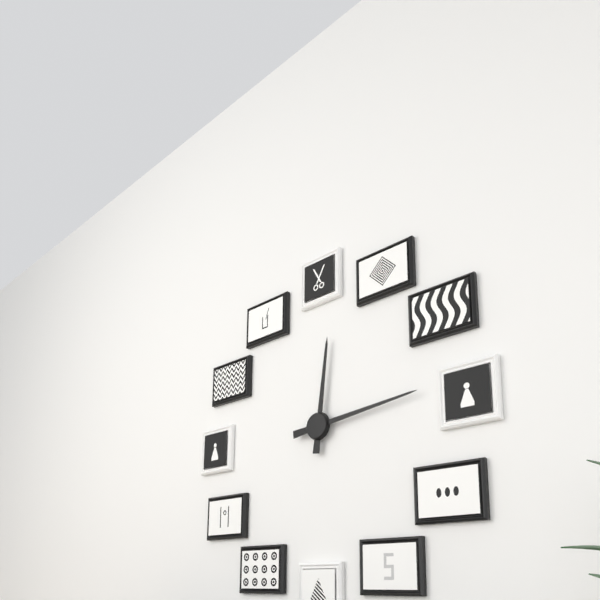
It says 12:14
